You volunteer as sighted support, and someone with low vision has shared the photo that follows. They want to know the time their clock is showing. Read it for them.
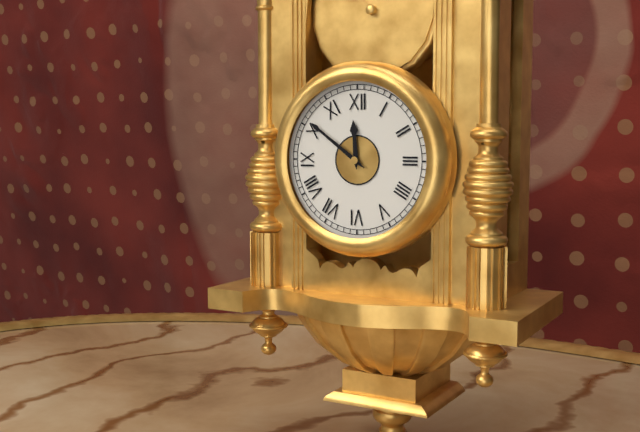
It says 11:51
